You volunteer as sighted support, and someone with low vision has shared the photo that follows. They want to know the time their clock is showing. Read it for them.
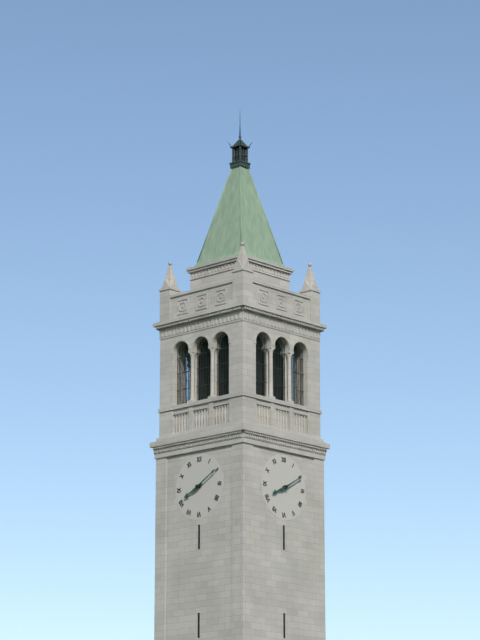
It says 8:10
